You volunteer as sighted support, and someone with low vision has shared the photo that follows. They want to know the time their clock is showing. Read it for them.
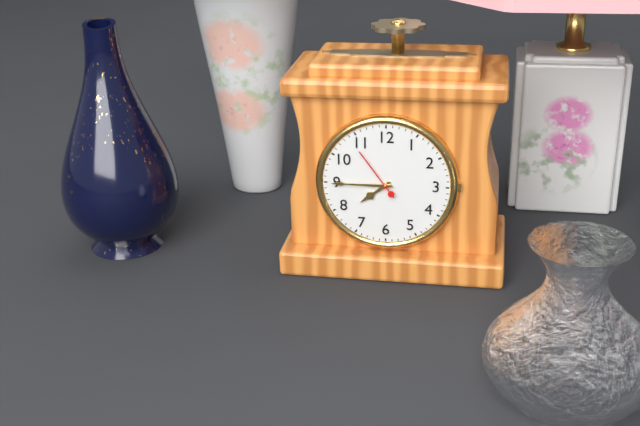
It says 7:45:54
